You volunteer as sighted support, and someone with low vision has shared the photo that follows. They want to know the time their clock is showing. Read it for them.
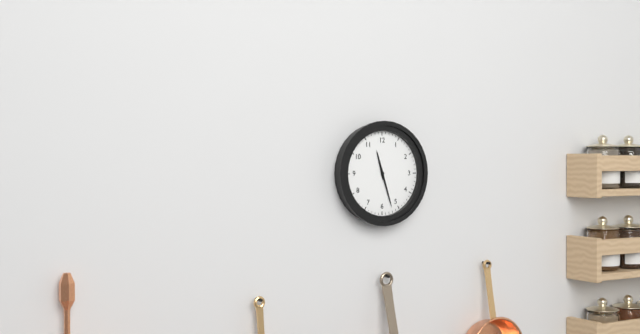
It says 11:27
